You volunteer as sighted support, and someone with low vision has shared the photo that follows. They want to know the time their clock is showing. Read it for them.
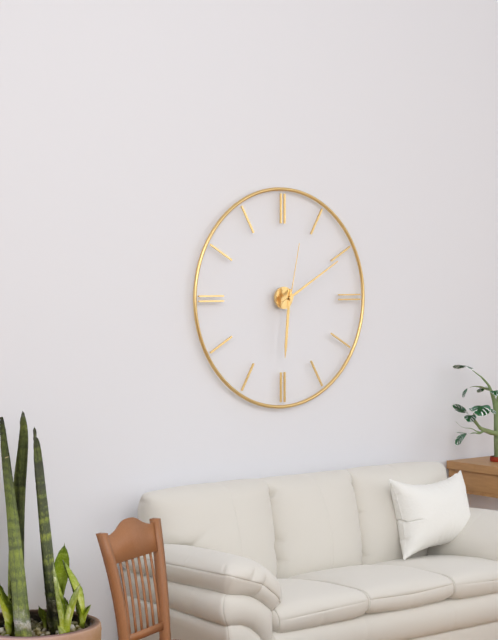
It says 6:10:02
